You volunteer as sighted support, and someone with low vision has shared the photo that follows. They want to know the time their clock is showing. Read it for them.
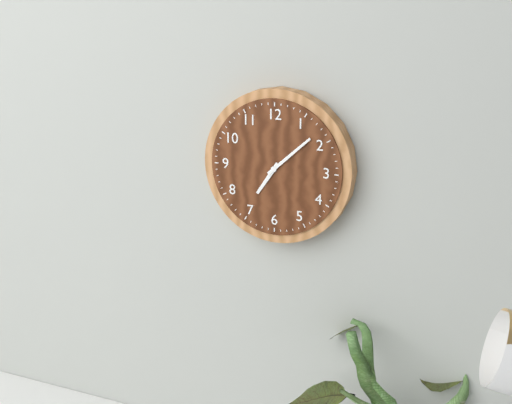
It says 7:08
